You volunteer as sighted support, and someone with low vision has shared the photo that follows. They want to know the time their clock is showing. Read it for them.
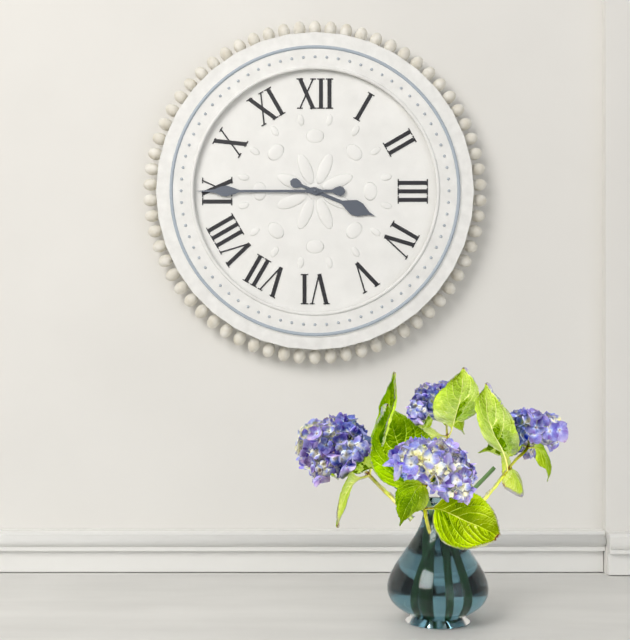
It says 3:45
